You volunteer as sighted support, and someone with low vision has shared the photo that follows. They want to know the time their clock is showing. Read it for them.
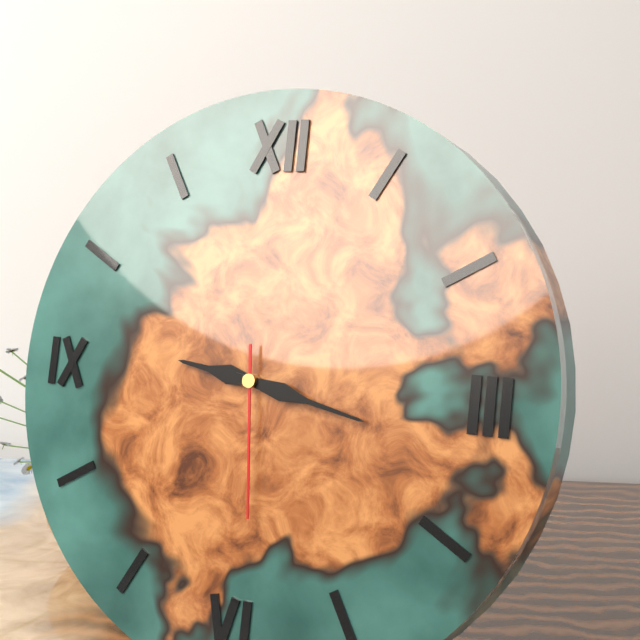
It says 9:17:29
